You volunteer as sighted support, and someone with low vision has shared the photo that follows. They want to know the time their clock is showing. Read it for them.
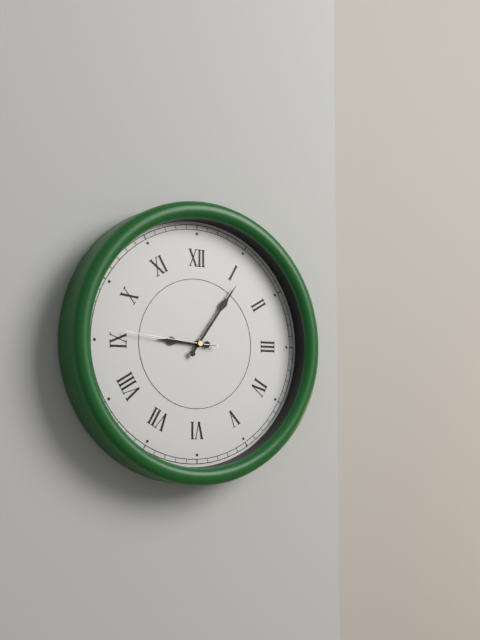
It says 9:06:46
